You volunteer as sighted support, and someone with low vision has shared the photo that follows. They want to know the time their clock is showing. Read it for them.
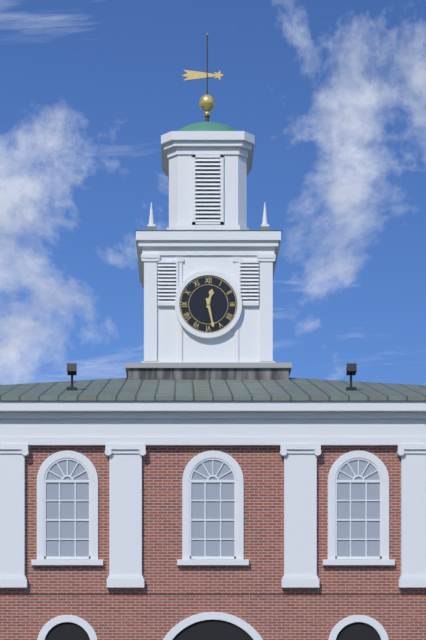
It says 12:28
